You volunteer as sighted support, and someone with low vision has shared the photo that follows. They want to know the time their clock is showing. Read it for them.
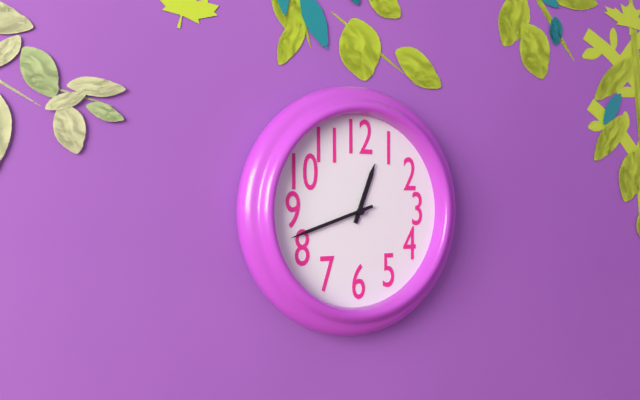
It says 12:42
